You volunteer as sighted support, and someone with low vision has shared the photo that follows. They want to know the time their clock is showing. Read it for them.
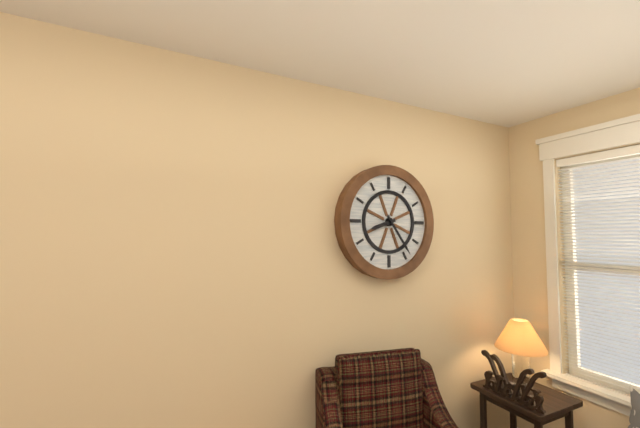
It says 8:24
